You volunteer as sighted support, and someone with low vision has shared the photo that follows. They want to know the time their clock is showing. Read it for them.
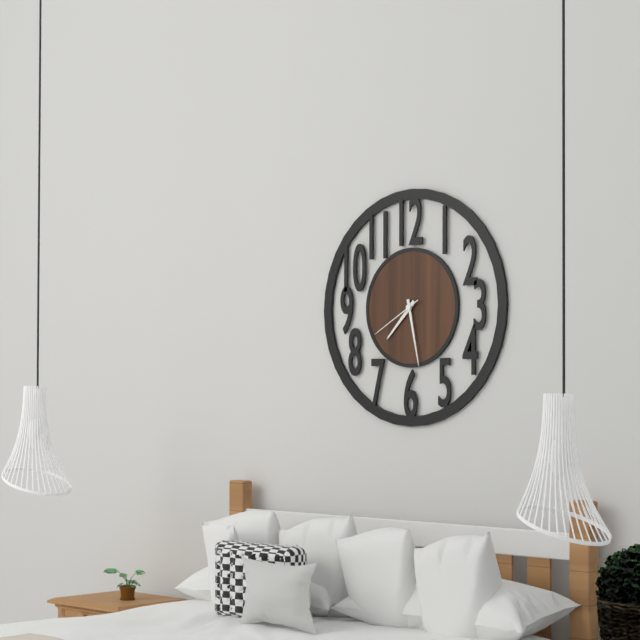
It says 7:28:40
